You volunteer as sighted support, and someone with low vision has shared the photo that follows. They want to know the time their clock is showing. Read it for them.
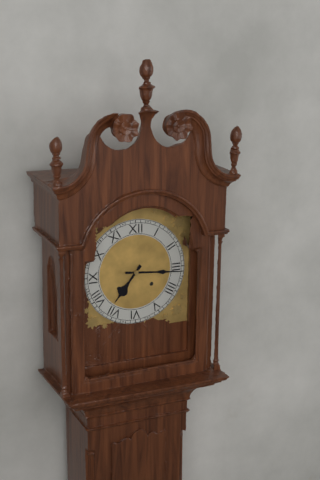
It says 7:16
